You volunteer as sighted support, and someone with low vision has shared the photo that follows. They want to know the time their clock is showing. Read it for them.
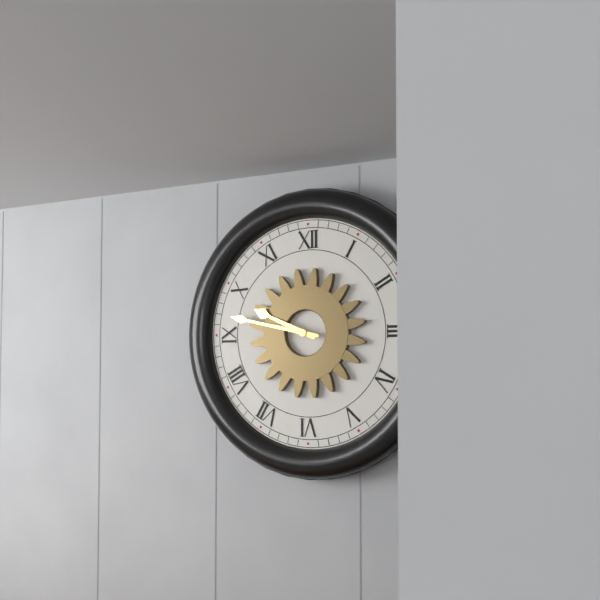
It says 9:47
